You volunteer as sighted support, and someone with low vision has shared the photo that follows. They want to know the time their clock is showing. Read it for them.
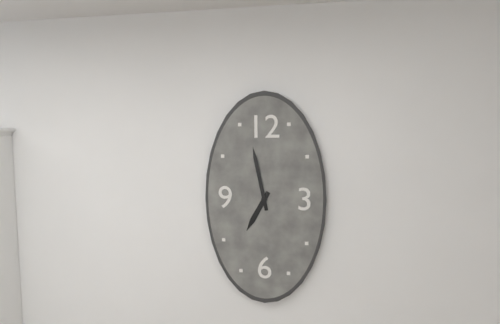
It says 6:58
